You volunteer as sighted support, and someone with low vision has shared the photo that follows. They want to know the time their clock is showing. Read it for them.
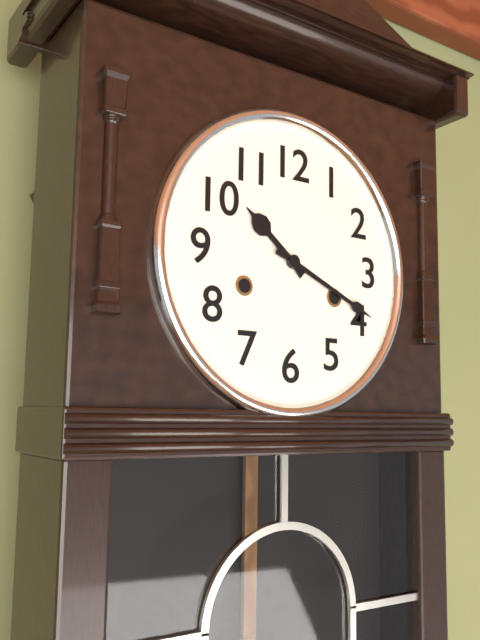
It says 10:19
